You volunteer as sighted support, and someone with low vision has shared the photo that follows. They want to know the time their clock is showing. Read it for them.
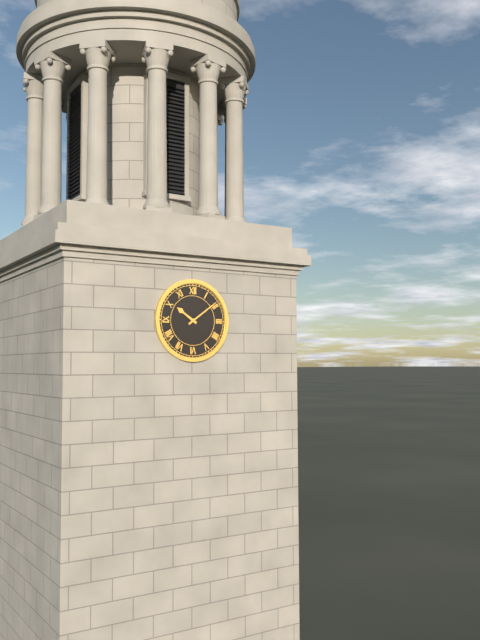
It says 10:09
